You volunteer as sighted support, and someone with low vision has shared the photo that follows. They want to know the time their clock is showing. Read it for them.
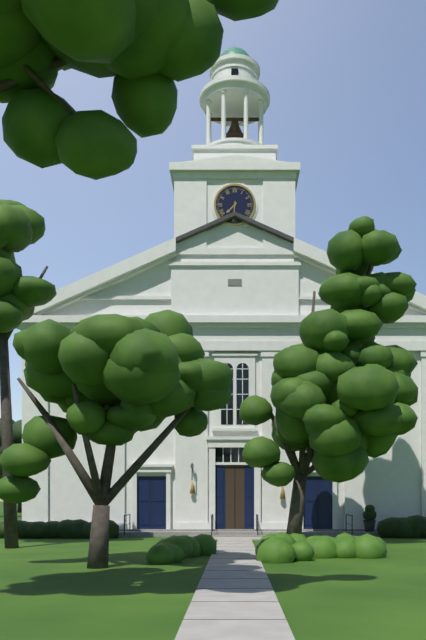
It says 7:31
